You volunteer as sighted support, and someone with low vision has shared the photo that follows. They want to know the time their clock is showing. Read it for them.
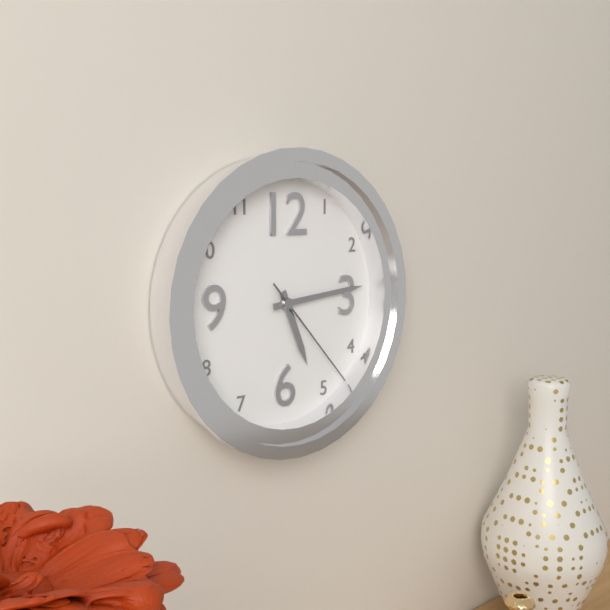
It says 5:14:23
